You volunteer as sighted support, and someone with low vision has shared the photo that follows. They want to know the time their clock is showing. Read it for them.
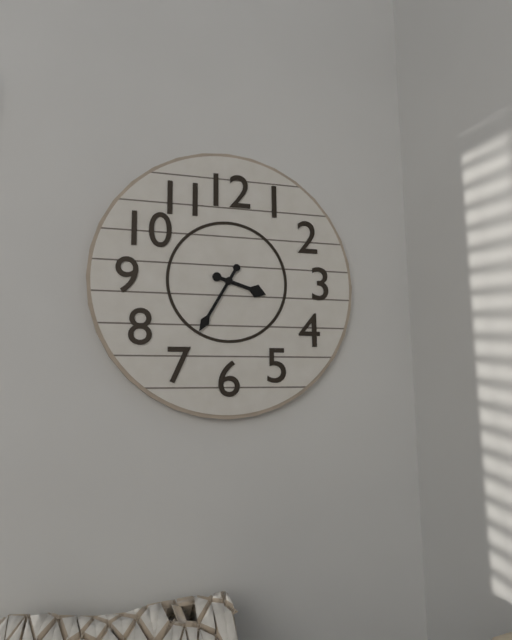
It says 3:35
